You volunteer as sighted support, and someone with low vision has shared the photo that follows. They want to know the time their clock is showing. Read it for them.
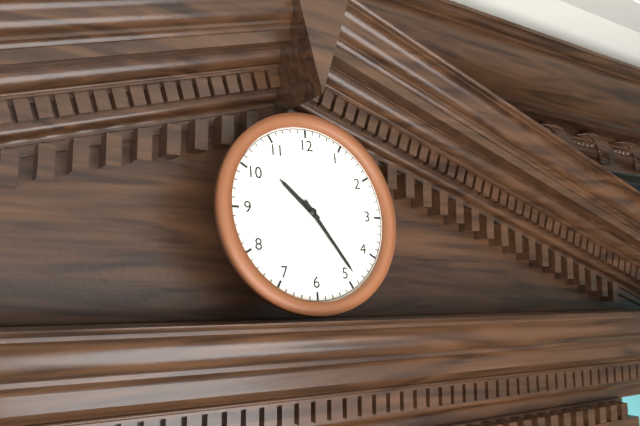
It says 10:24
